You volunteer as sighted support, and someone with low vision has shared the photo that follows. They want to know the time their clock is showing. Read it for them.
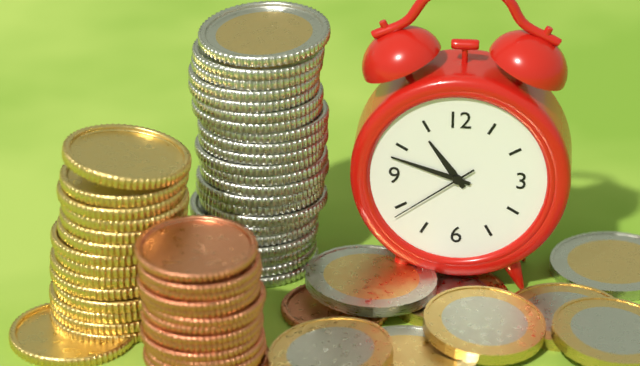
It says 10:48:39
